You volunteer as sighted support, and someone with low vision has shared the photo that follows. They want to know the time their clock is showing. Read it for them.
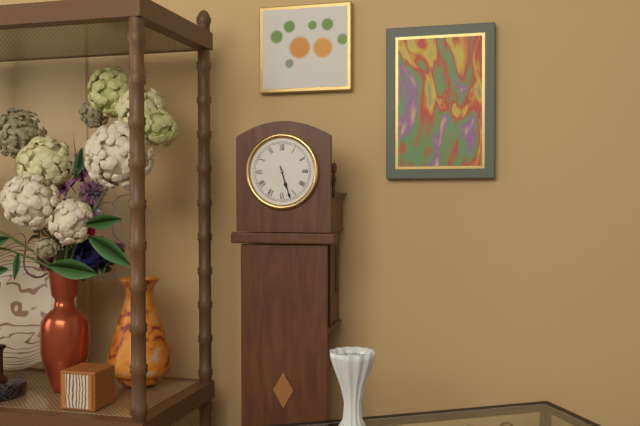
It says 5:27
